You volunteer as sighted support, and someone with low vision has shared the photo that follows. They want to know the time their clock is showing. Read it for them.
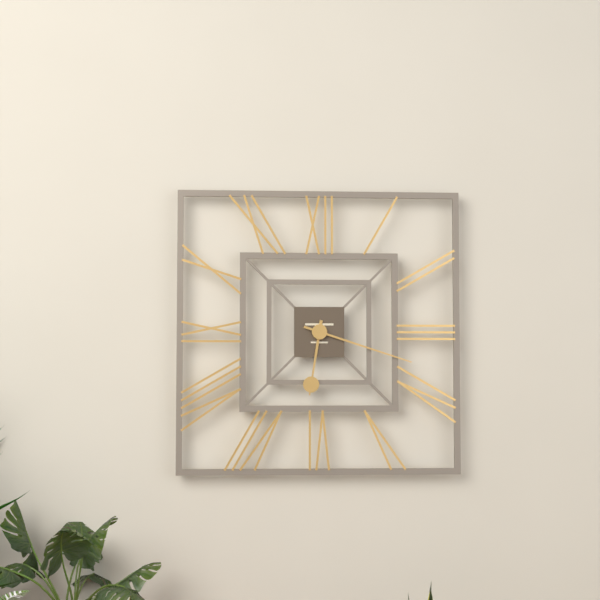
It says 6:18
